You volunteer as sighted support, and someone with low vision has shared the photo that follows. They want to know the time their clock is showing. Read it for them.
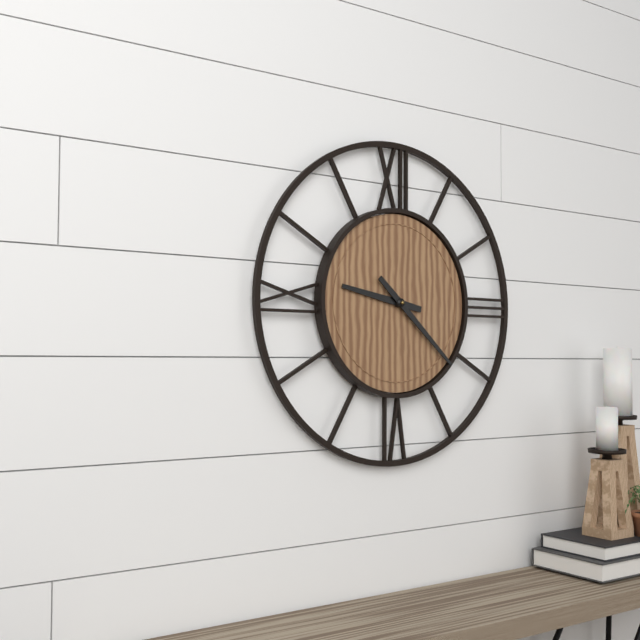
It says 9:22
